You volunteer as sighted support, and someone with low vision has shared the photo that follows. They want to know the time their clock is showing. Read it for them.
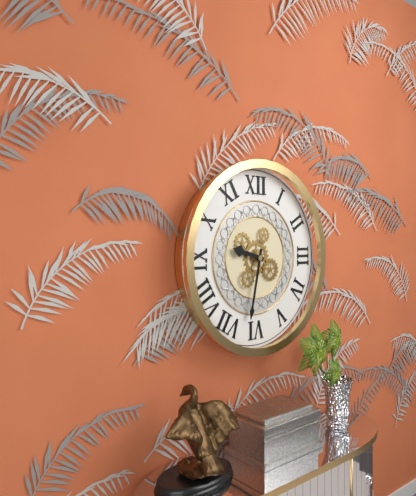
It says 9:32
